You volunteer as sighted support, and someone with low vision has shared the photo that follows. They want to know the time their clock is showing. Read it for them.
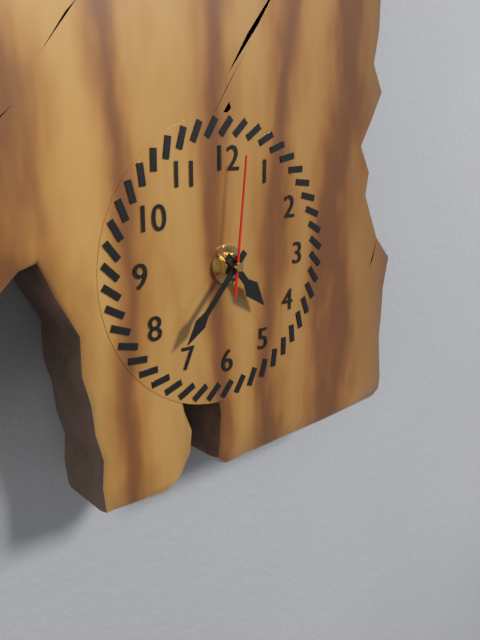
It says 4:37:01
